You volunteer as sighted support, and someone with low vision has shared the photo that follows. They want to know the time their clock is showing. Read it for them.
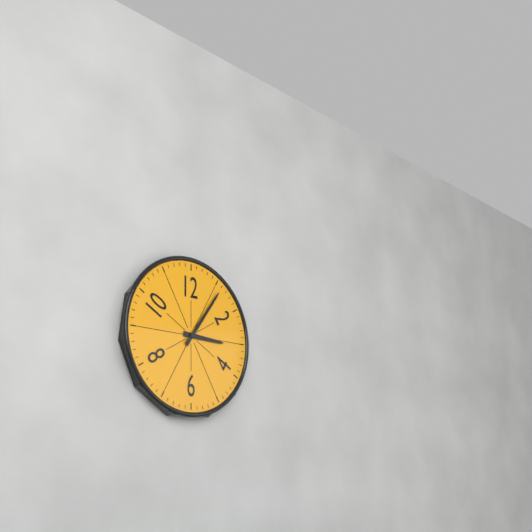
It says 3:06
